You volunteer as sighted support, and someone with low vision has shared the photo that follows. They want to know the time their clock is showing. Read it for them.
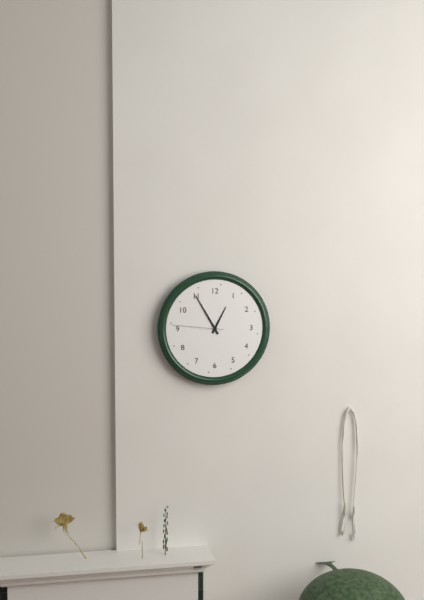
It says 12:55:46
